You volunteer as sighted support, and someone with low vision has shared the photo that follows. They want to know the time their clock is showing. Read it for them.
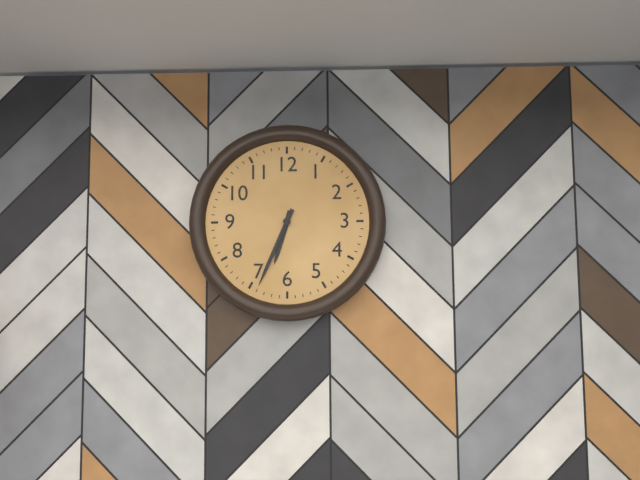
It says 6:34
